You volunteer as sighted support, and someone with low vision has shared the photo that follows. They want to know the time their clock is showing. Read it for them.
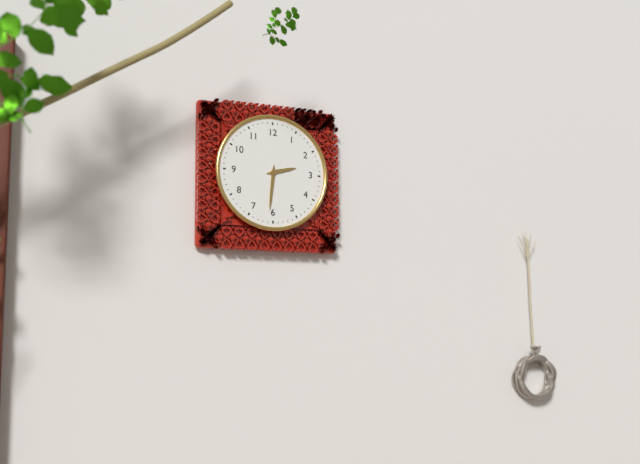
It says 2:31
